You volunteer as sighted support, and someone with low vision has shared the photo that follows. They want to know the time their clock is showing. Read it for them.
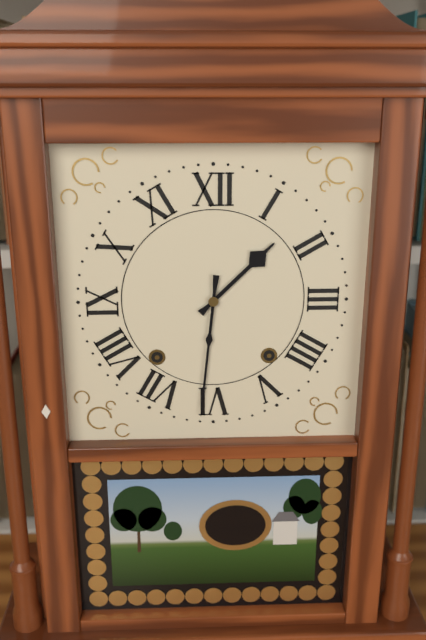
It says 1:31
